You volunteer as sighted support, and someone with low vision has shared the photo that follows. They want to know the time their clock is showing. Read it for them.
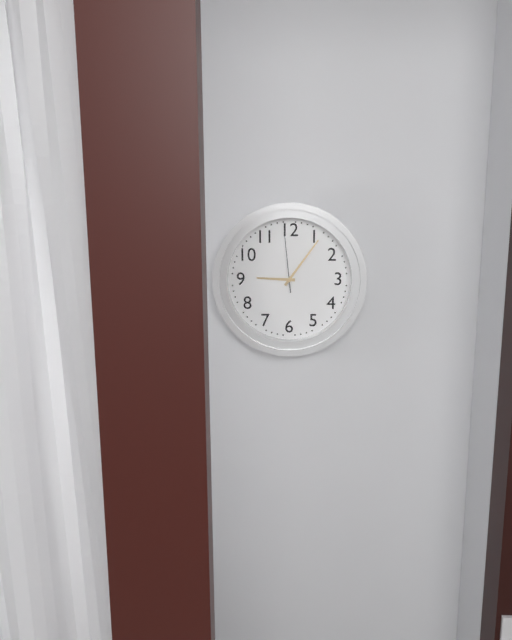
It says 9:06:59
